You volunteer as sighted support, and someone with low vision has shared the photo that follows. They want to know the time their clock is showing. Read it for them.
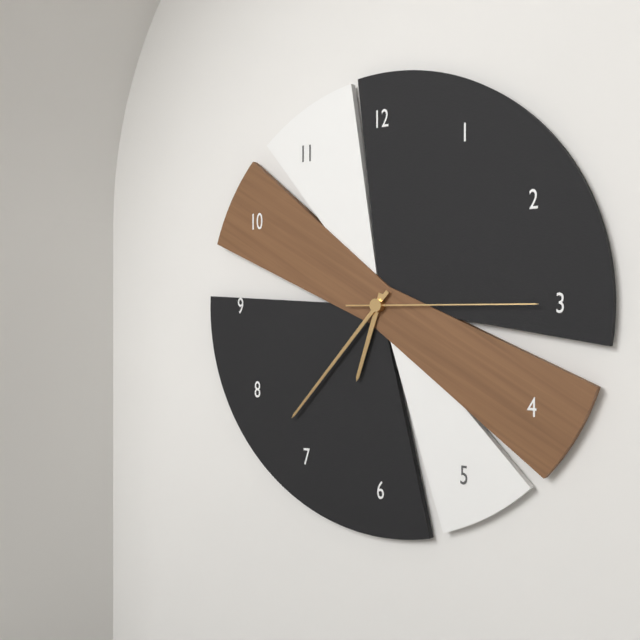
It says 6:37:15
